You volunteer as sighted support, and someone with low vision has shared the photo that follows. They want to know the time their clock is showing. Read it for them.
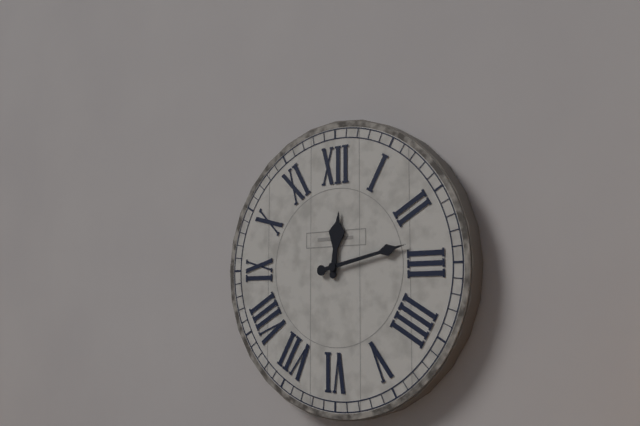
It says 12:13
